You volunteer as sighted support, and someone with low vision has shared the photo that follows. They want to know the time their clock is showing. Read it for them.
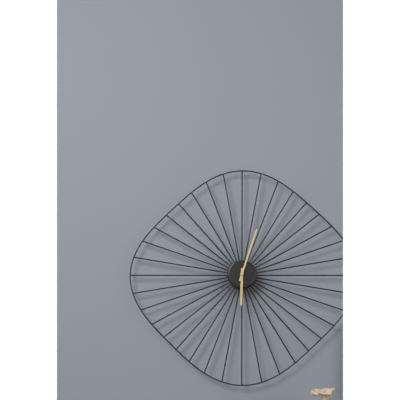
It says 6:03
